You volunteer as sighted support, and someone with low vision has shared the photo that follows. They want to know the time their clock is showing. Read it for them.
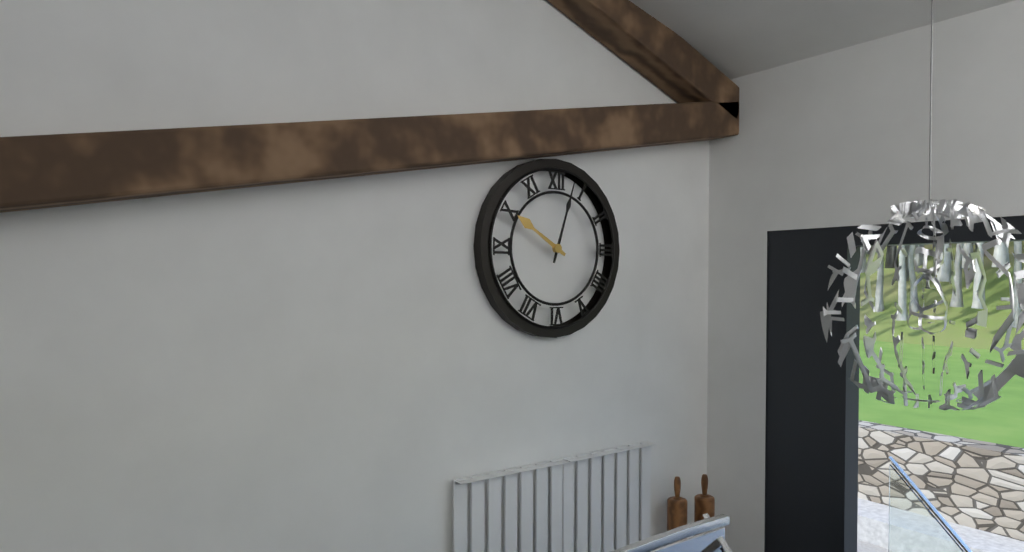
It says 10:03
